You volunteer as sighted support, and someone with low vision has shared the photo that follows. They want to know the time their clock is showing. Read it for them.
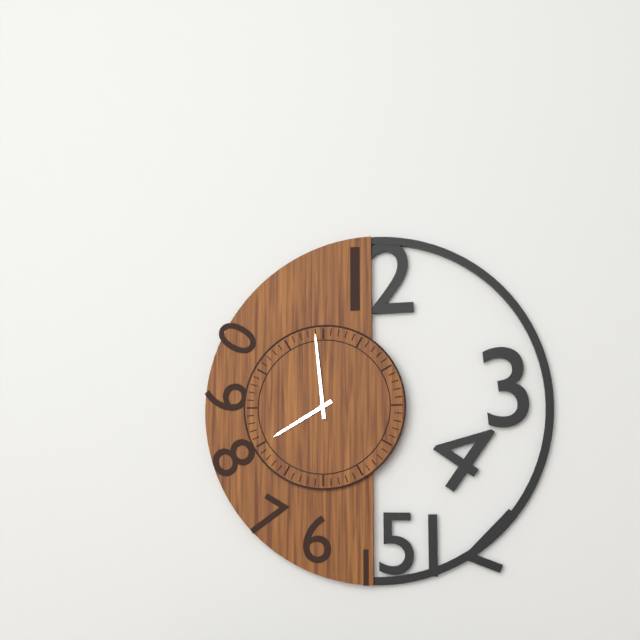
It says 7:59
